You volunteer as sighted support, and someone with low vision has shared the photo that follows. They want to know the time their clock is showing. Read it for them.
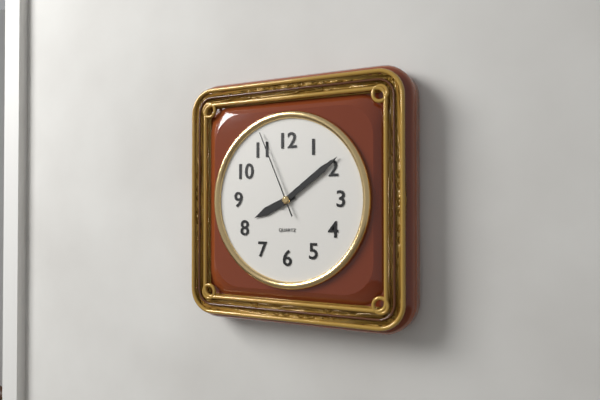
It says 8:09:56
